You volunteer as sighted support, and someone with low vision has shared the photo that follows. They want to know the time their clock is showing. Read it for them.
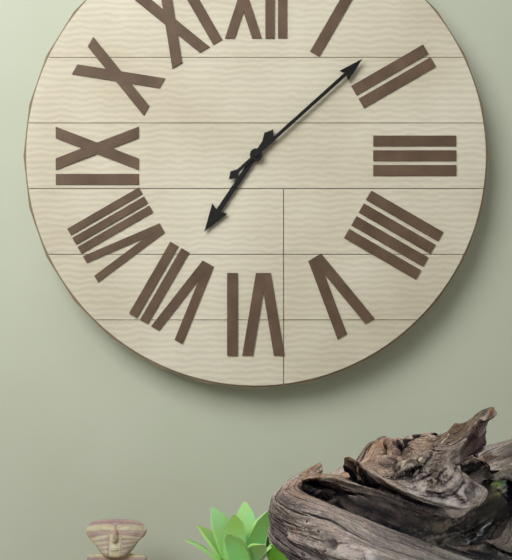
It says 7:08
